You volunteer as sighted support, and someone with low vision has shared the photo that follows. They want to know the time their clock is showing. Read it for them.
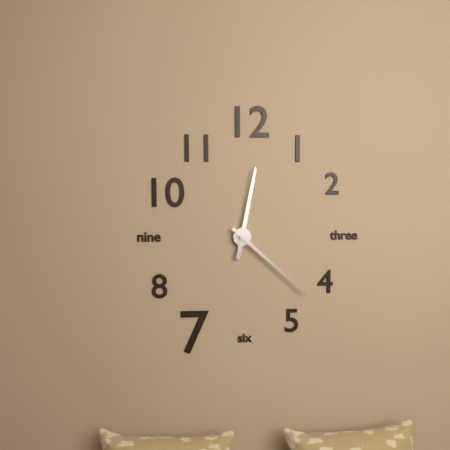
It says 12:22
